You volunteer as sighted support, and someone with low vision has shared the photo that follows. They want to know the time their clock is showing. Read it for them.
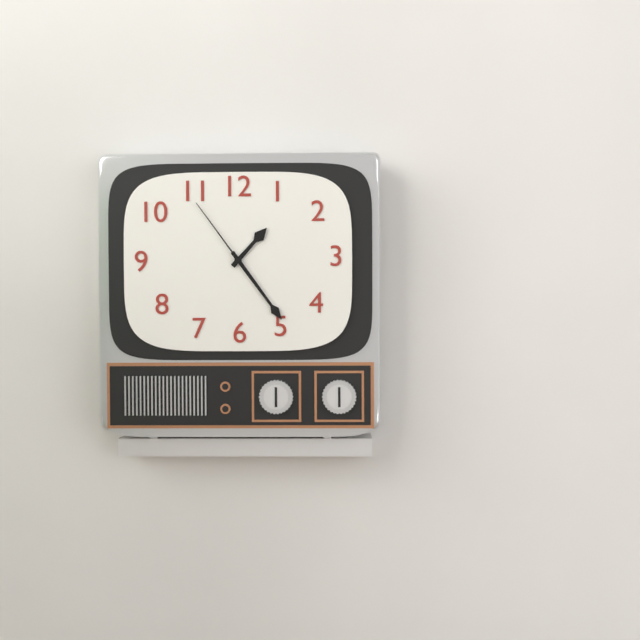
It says 1:24:54
